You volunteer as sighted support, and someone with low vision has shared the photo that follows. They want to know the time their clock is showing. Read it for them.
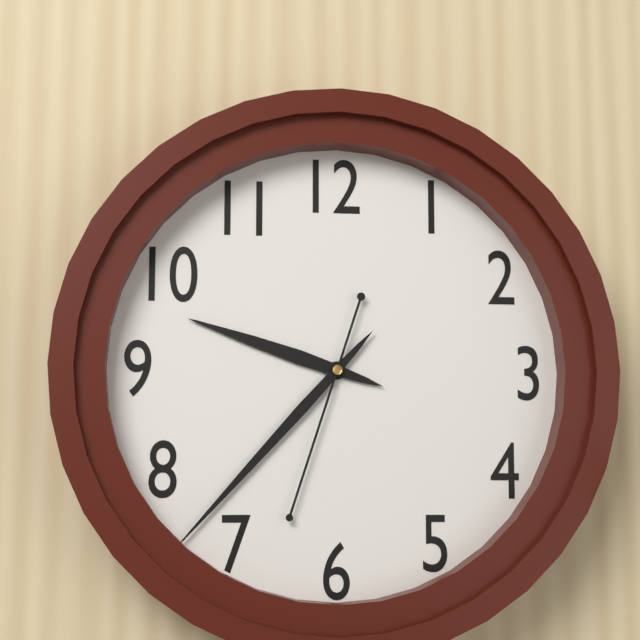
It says 9:37:33
